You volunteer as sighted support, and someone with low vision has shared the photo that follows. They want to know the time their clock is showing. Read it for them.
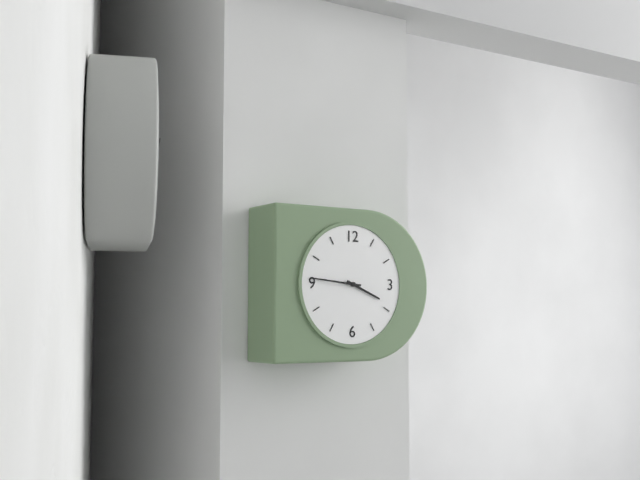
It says 3:46
